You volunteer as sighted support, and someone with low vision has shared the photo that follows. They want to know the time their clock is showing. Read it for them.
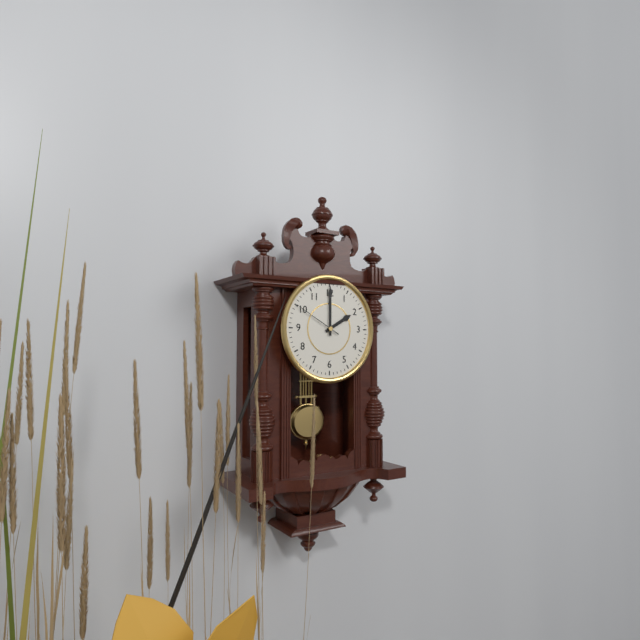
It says 2:00:50
